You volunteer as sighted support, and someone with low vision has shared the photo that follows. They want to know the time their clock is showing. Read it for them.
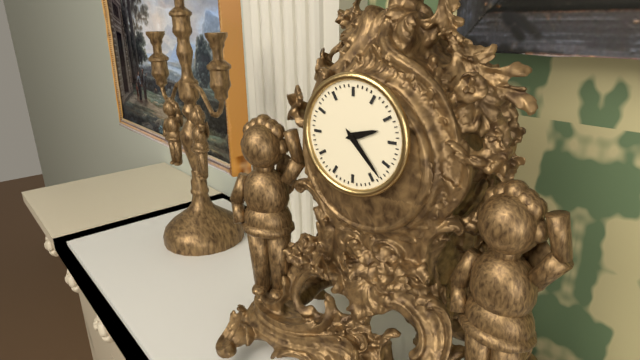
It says 2:23
